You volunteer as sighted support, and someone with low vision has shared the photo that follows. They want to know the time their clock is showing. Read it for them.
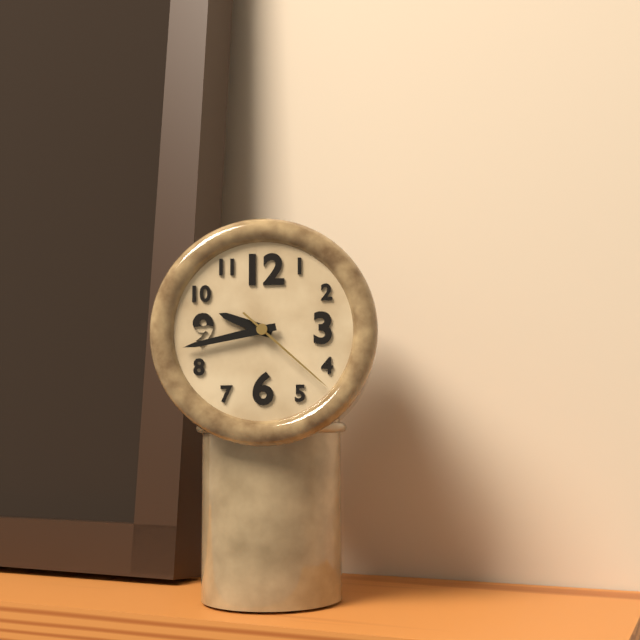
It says 9:43:22
